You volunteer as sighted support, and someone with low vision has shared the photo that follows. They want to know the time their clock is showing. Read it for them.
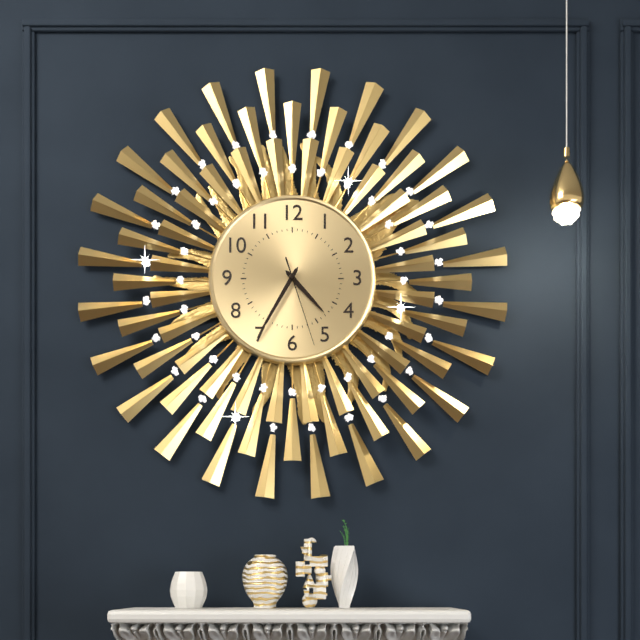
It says 4:35:27
